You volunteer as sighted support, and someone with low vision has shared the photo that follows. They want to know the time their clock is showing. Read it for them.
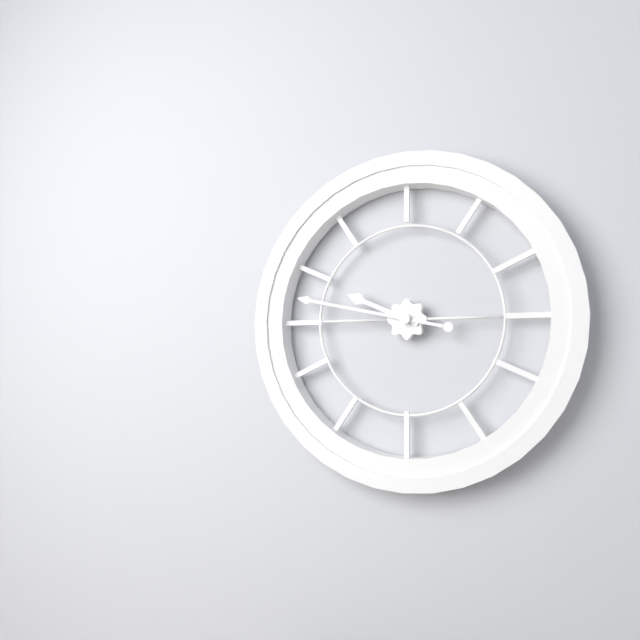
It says 9:47
